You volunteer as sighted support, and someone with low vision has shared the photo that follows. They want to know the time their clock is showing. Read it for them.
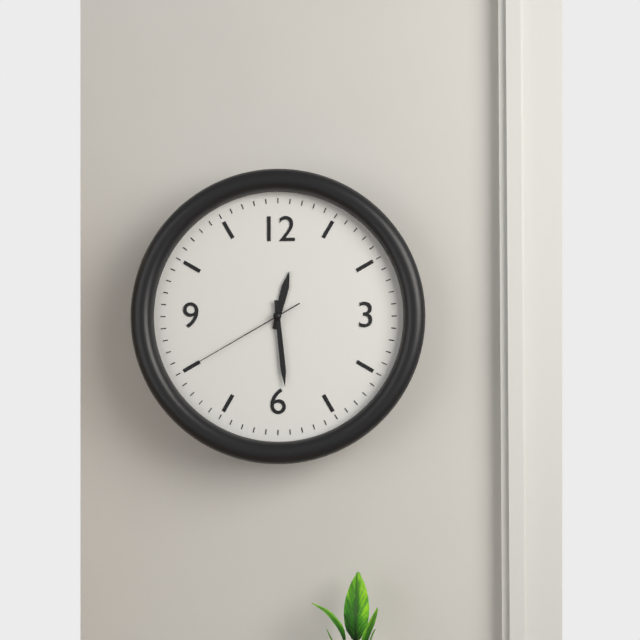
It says 12:29:40
